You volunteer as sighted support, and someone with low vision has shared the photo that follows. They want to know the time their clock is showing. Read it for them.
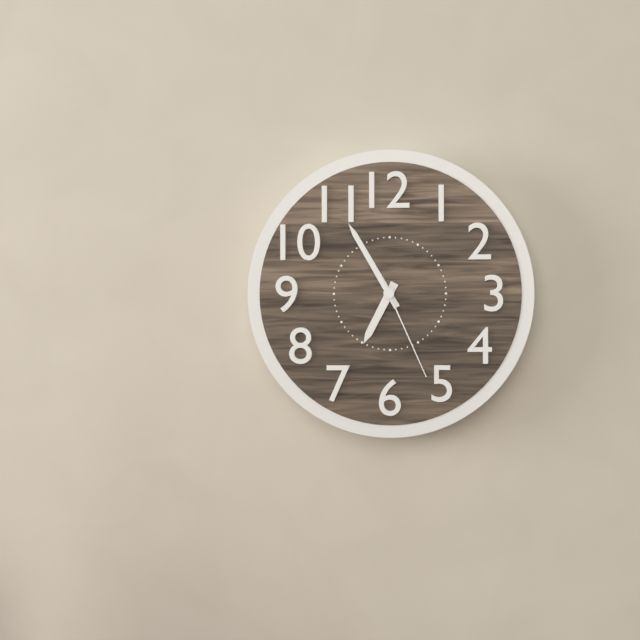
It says 6:55:26
